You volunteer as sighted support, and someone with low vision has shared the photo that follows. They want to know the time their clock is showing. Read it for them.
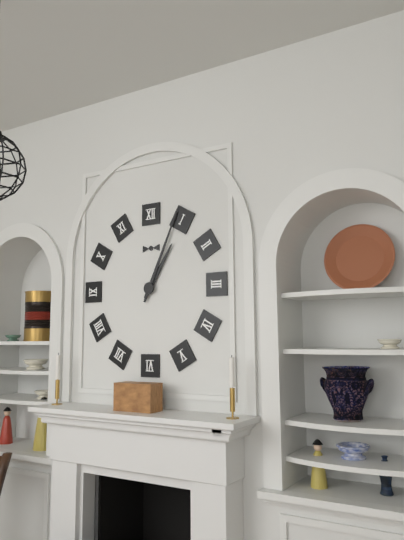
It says 1:04
